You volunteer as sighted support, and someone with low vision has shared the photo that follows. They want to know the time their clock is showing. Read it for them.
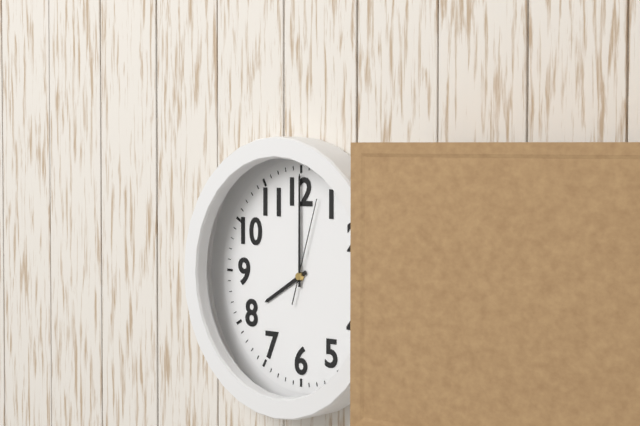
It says 8:00:03
